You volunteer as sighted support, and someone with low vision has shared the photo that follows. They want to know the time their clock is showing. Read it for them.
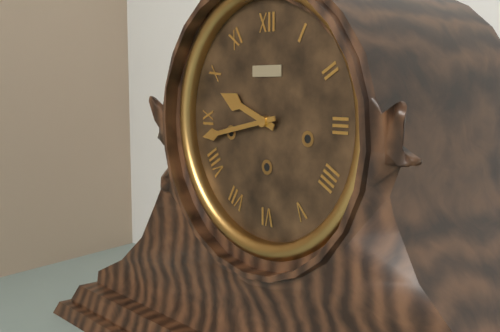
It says 9:43
